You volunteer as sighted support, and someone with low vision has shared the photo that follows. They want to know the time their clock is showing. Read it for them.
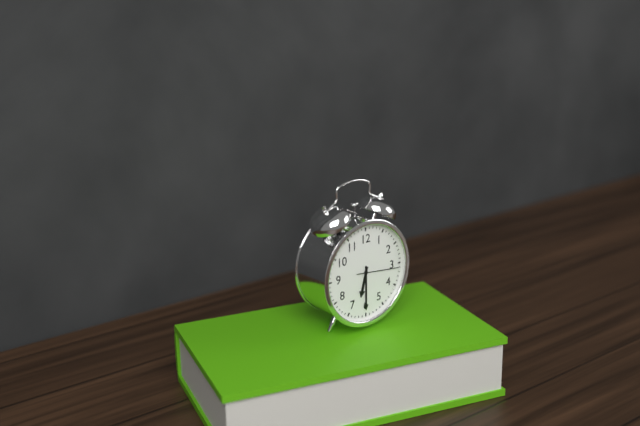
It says 6:30
